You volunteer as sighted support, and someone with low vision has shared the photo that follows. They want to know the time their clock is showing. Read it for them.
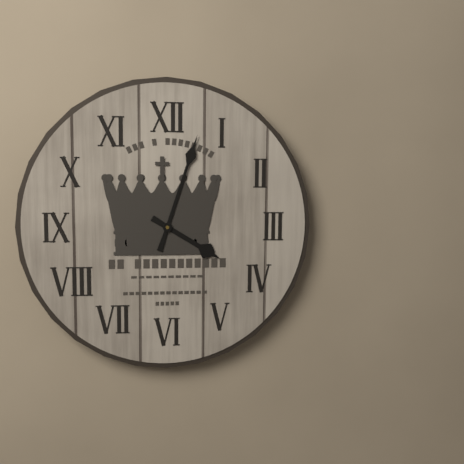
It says 4:03
